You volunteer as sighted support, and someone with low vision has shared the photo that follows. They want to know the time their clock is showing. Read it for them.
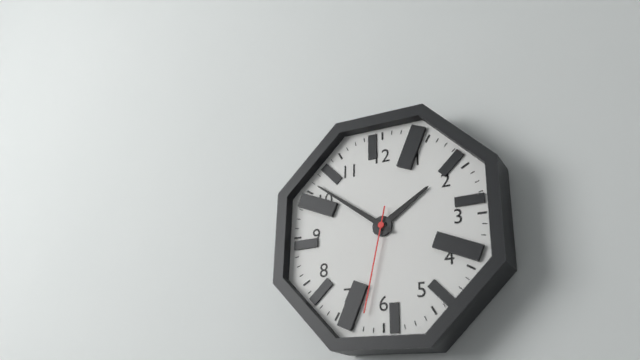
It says 1:51:32
